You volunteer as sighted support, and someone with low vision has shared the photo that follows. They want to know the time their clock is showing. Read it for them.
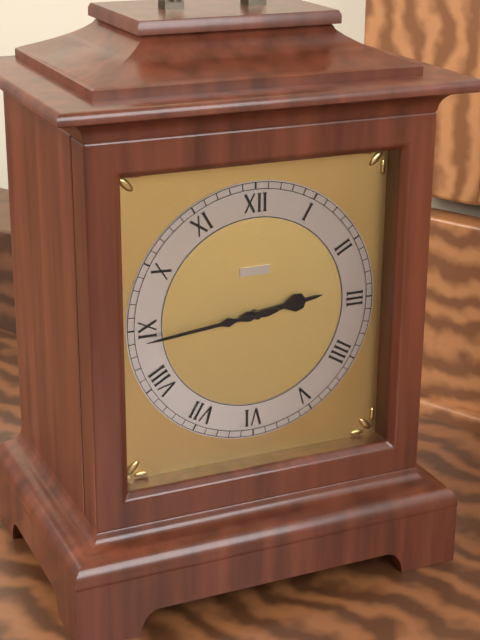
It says 2:44
